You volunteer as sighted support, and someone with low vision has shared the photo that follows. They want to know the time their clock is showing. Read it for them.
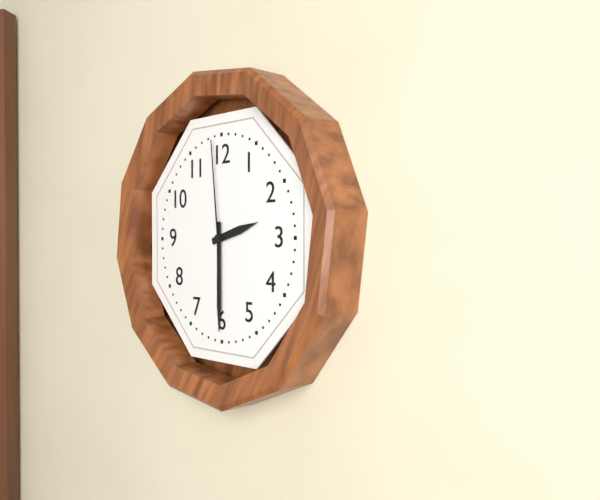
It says 2:30:59
